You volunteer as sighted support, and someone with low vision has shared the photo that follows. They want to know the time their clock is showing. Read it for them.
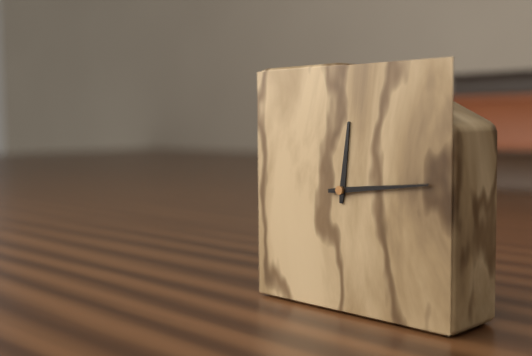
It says 12:14
